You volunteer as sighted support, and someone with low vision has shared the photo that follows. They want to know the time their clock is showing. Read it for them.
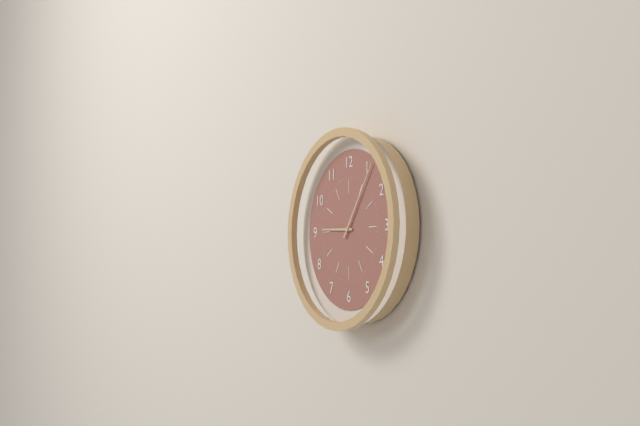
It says 9:06
